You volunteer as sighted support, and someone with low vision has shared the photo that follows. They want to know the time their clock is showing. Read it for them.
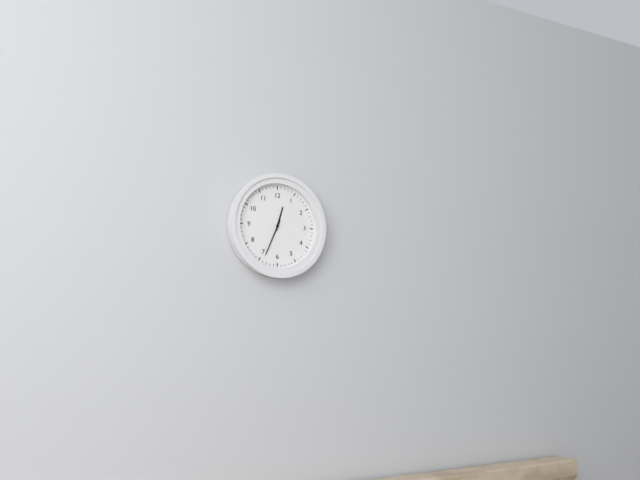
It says 12:34
